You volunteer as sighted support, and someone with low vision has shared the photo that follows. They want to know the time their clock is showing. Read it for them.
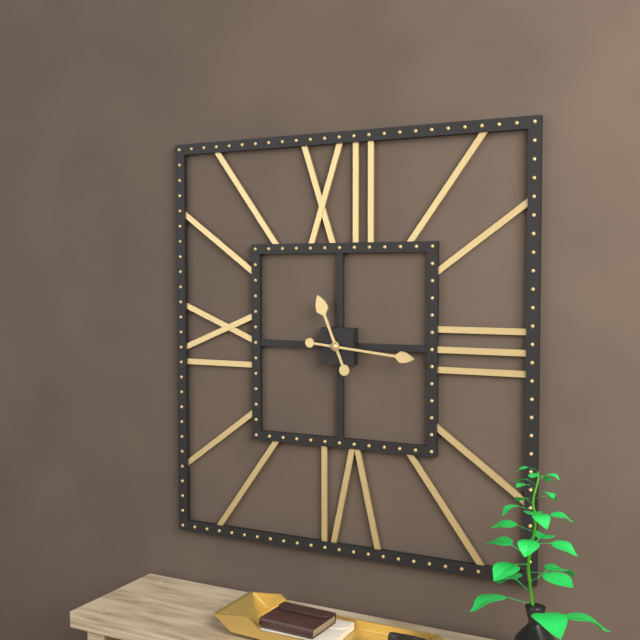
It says 11:16
